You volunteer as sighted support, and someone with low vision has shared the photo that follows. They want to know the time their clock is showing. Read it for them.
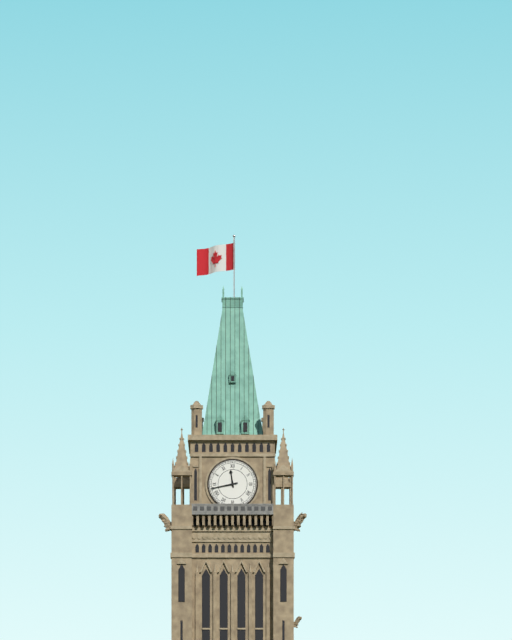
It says 11:43
